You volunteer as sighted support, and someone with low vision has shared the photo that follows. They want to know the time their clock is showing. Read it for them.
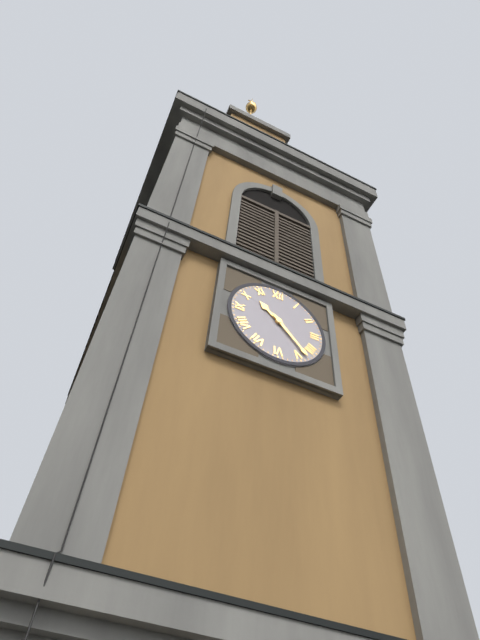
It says 10:23
